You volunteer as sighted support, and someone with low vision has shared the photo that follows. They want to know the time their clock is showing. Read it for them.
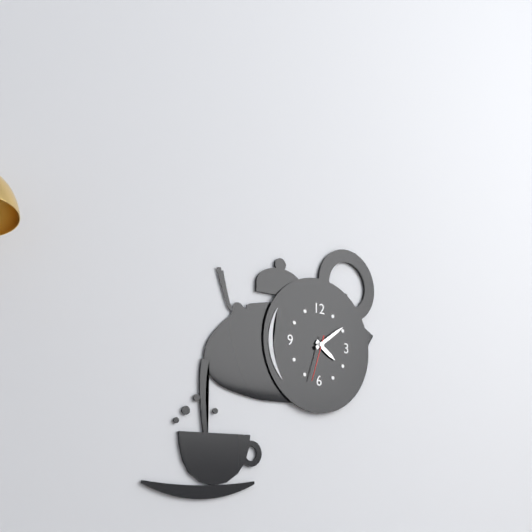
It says 4:09
